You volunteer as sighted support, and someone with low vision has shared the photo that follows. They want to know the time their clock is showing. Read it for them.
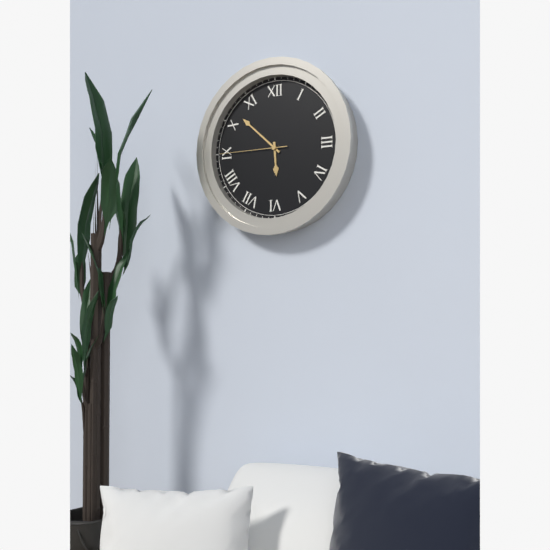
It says 5:52:45
